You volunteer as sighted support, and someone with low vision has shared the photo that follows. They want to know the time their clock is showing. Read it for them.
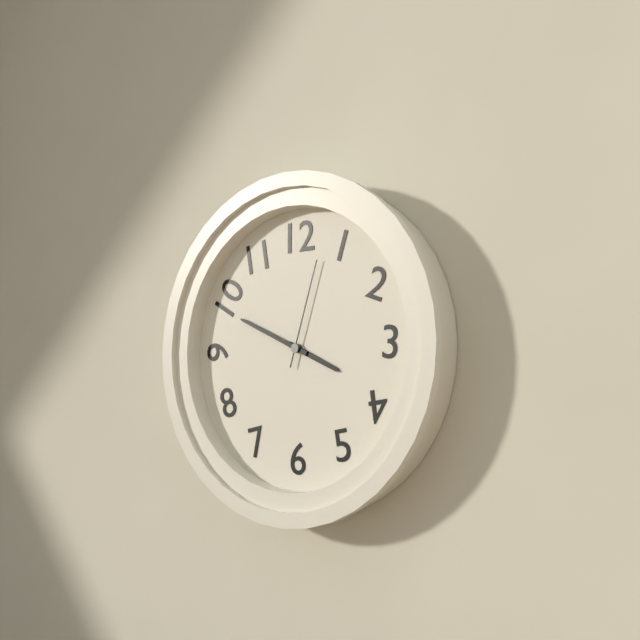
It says 3:49:03
